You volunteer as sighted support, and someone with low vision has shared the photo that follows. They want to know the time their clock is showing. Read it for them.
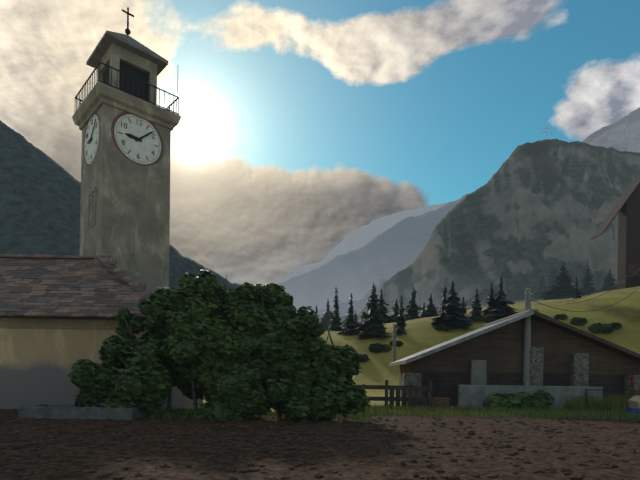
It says 9:08
